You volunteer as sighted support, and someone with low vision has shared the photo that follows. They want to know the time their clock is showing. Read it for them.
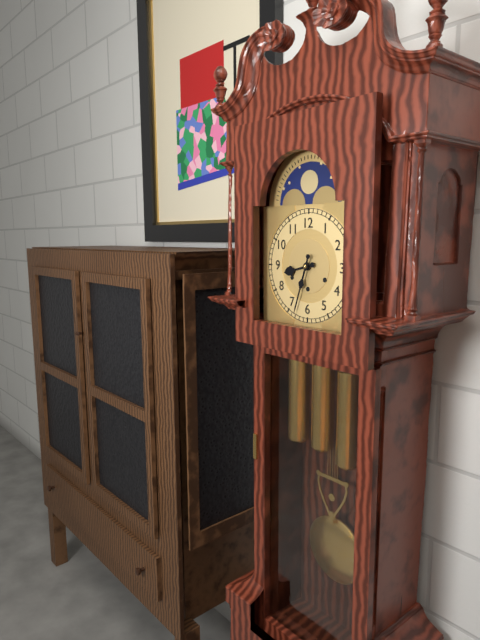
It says 8:33
